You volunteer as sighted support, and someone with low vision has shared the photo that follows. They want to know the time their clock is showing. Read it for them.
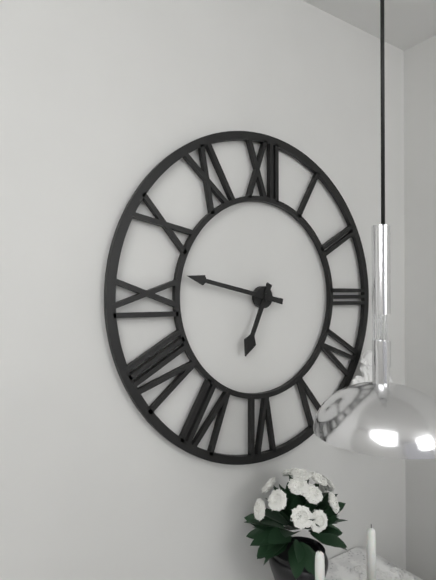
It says 6:47
